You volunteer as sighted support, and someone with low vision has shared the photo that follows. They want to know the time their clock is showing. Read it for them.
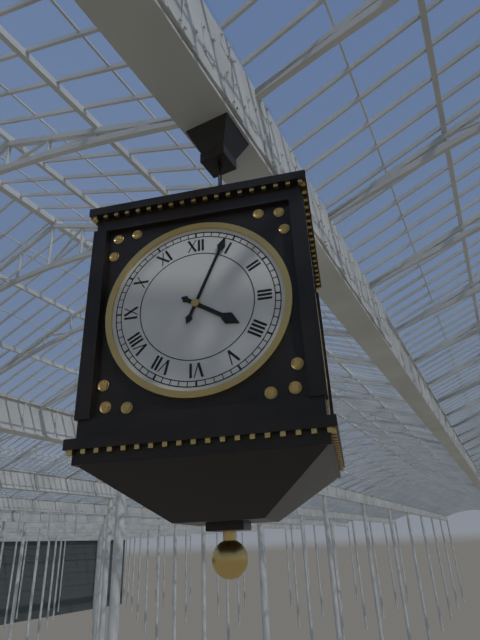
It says 4:04
